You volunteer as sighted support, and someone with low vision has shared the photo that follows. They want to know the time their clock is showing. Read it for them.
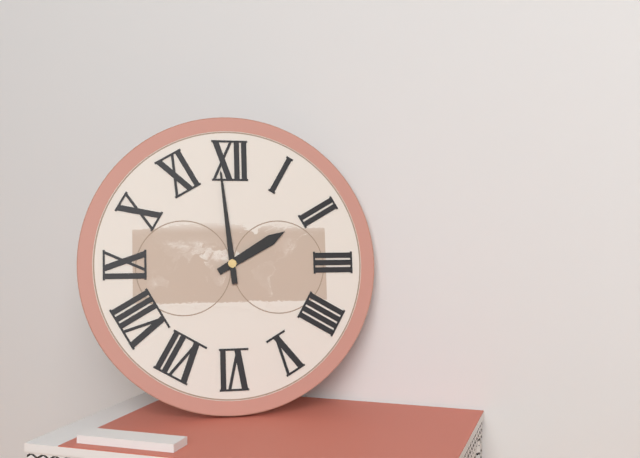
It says 1:59
